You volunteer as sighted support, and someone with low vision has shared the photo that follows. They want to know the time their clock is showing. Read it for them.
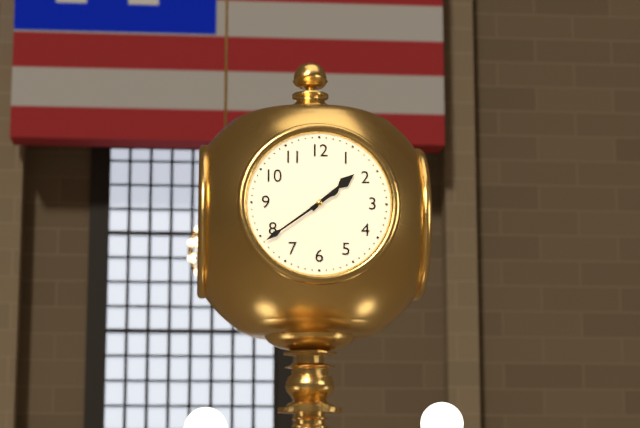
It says 1:39
